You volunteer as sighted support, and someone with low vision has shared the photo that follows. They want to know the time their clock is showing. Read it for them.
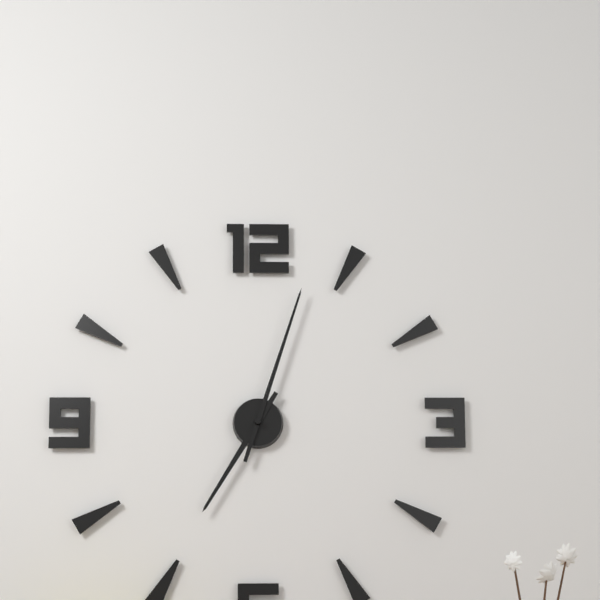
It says 7:03
